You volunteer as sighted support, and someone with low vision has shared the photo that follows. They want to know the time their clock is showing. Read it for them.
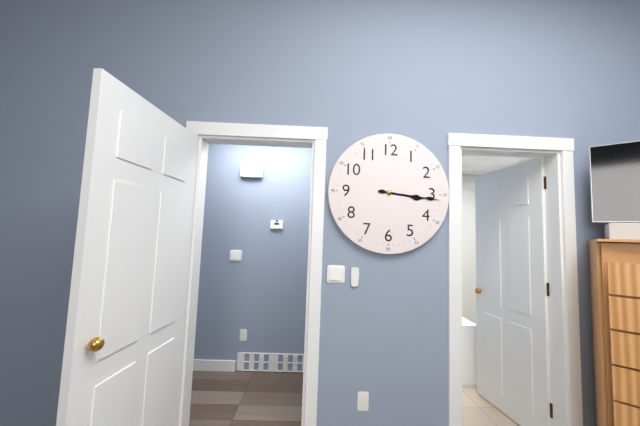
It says 3:16
